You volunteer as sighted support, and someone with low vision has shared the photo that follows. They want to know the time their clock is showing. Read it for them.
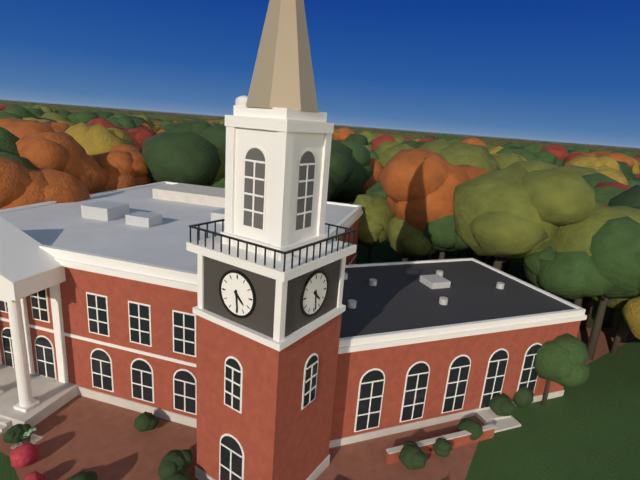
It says 4:29
